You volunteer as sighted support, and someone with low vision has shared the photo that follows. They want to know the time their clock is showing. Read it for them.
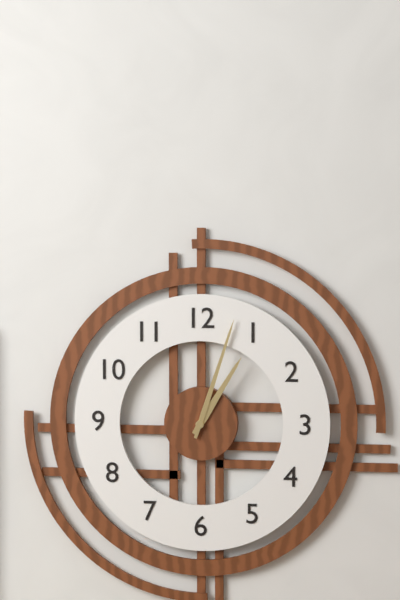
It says 1:03
